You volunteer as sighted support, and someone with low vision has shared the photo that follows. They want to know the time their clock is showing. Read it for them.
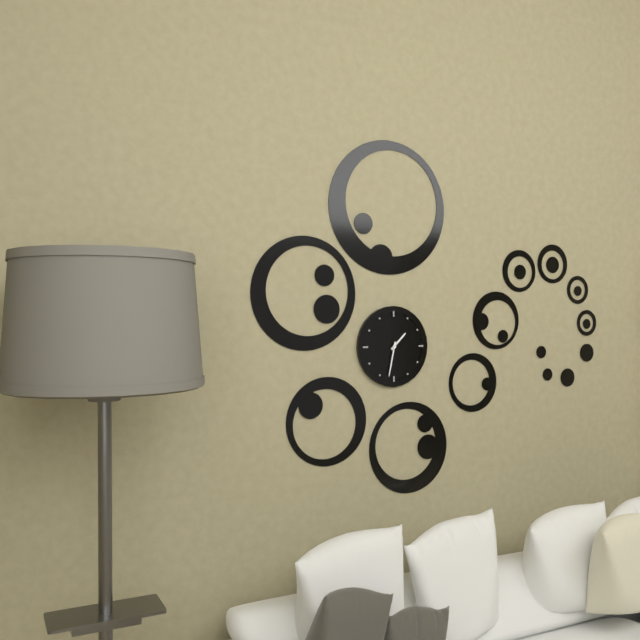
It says 1:32
